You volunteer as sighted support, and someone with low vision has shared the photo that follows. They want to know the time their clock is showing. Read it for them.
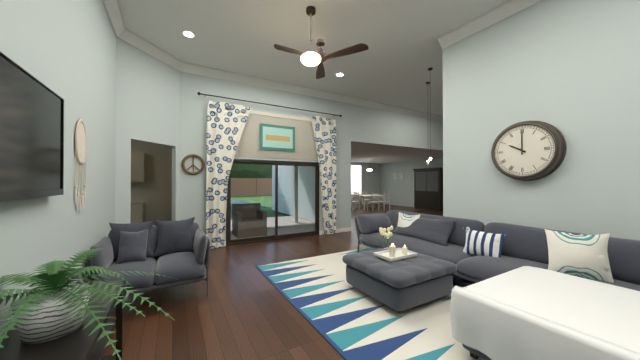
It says 10:00
